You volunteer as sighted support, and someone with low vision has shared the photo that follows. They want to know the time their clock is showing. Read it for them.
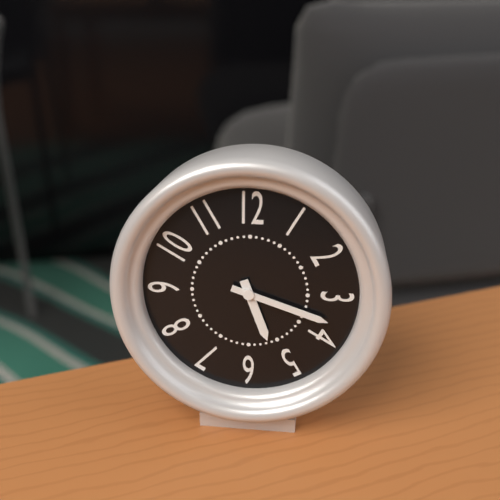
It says 5:18
